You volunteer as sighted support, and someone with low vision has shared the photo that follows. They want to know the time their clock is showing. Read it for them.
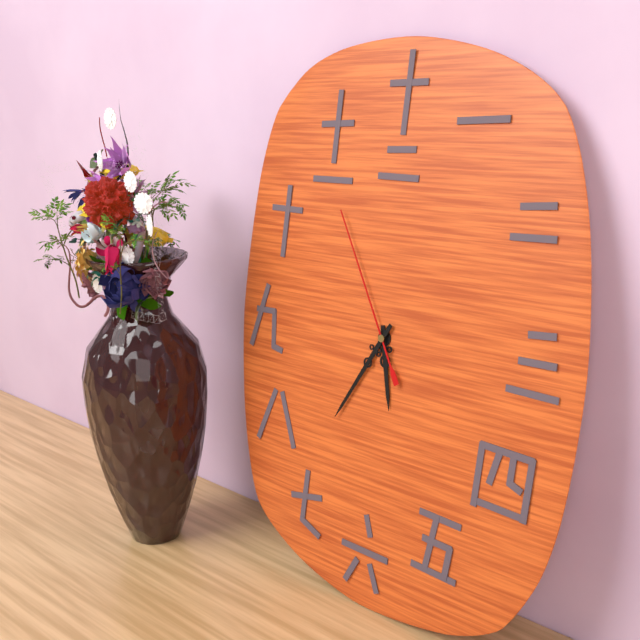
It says 5:35:55
